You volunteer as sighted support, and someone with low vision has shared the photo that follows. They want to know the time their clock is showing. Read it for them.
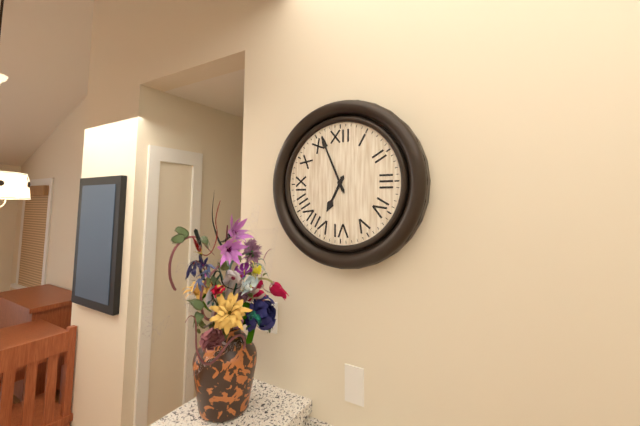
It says 6:56
